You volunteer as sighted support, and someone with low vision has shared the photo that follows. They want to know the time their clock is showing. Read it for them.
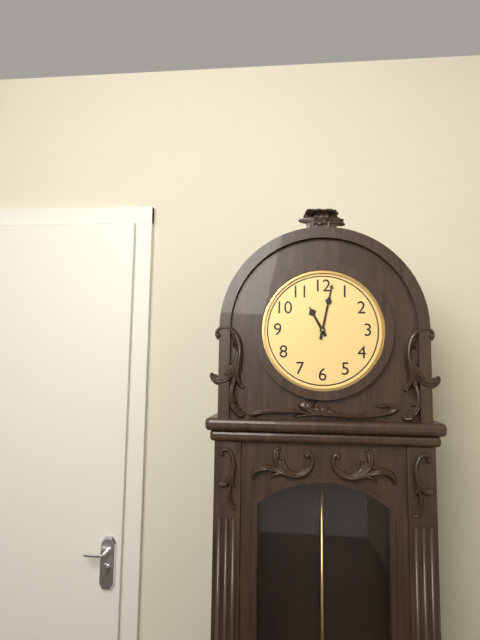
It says 11:02
